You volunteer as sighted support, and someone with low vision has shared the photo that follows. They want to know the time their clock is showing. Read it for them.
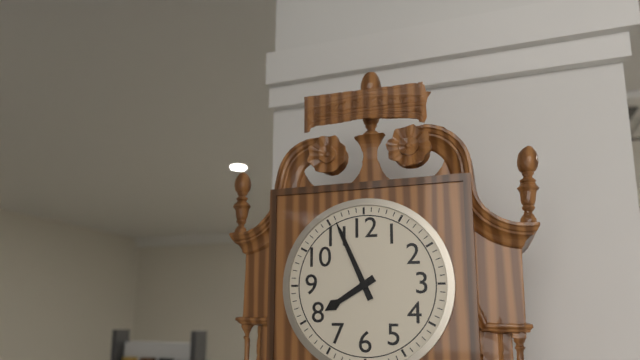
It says 7:56
